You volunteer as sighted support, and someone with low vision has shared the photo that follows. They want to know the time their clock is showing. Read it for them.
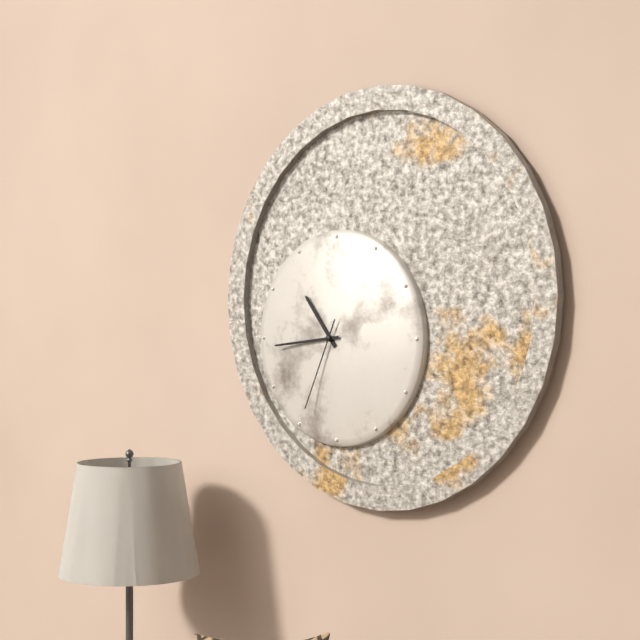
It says 10:44:34
